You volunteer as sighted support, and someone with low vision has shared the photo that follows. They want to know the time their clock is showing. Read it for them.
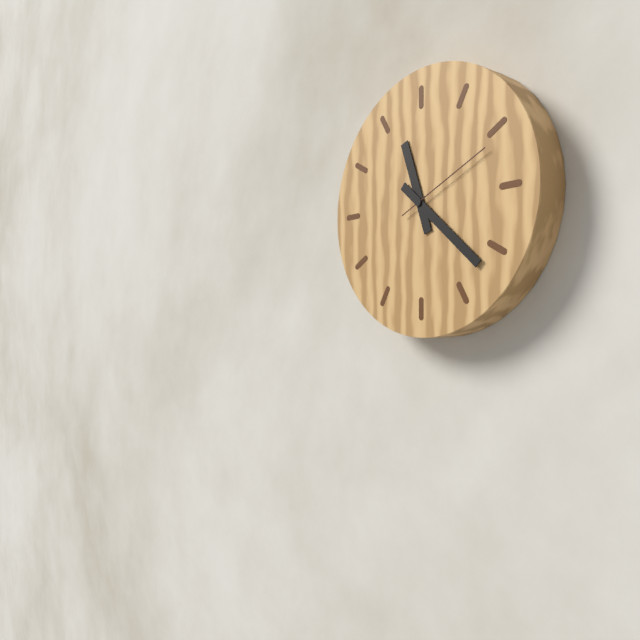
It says 11:22:11
